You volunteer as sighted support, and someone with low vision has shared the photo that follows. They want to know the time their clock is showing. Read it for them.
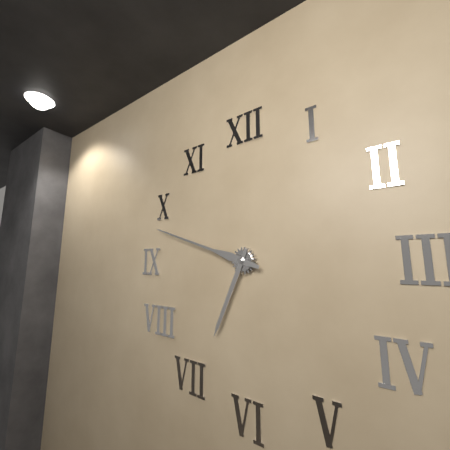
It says 6:48
